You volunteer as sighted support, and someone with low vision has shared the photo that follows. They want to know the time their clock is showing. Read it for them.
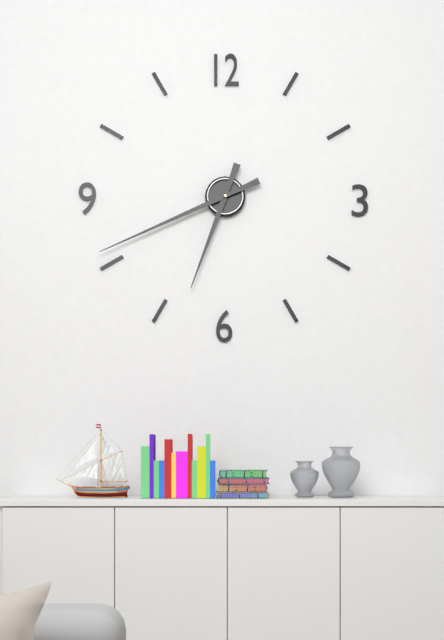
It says 6:41
